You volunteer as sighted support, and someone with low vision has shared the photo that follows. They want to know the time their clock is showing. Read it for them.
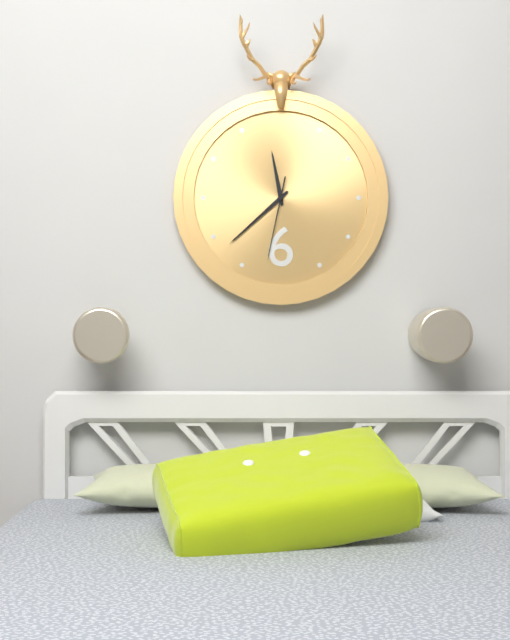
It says 11:38:32
